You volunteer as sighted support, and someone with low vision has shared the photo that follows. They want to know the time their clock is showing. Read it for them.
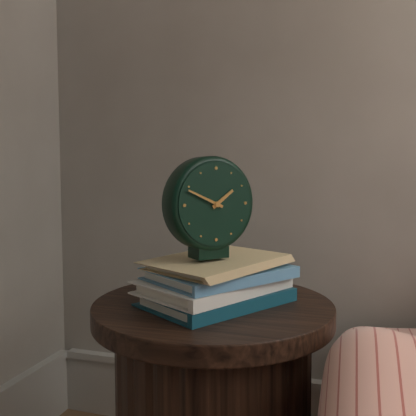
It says 1:49
